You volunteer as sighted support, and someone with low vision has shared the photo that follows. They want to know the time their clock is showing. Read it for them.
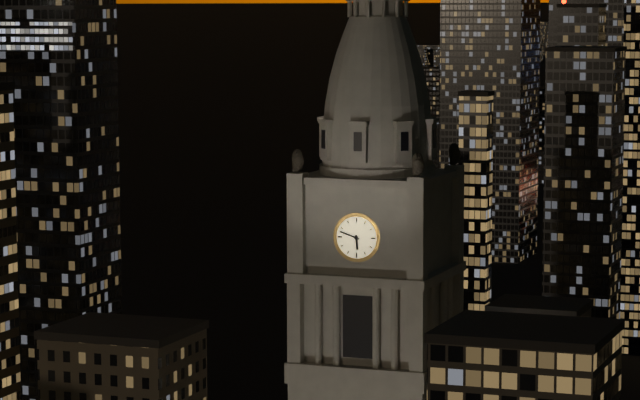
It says 5:48
